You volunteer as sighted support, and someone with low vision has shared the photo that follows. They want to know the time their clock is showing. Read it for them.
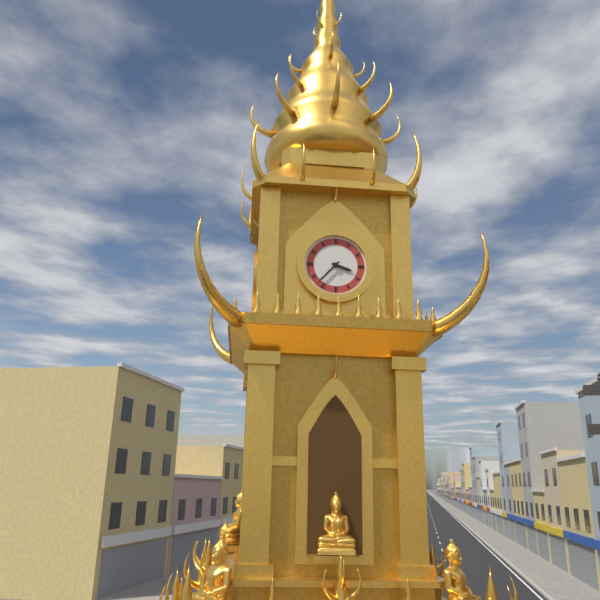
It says 3:37
